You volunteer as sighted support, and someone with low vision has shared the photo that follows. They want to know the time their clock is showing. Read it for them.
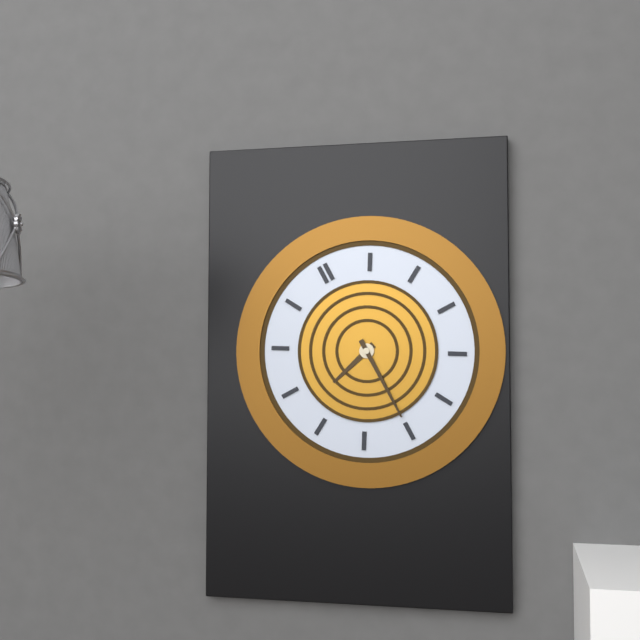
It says 8:30
